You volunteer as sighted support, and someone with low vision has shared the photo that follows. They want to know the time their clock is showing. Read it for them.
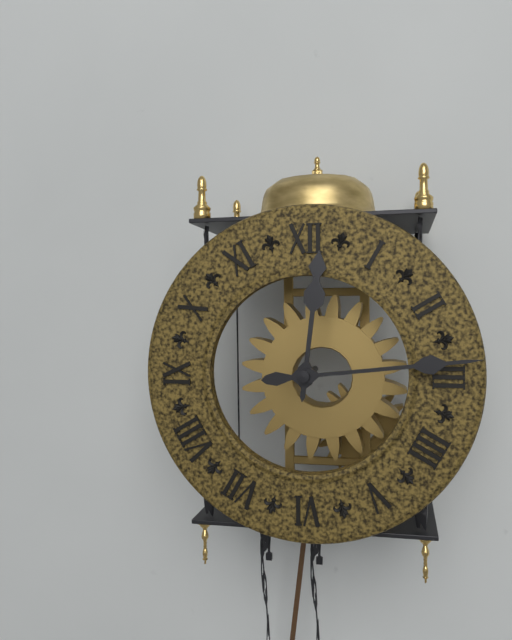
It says 12:14
